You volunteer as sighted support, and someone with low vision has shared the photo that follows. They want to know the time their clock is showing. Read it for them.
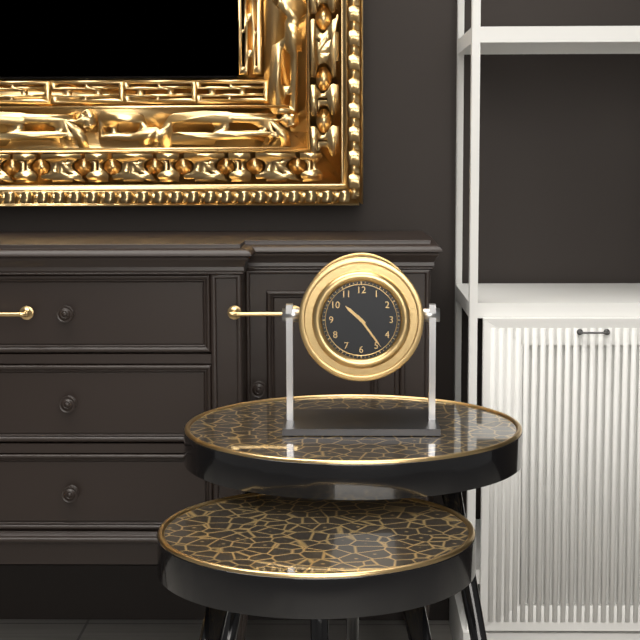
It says 10:24
